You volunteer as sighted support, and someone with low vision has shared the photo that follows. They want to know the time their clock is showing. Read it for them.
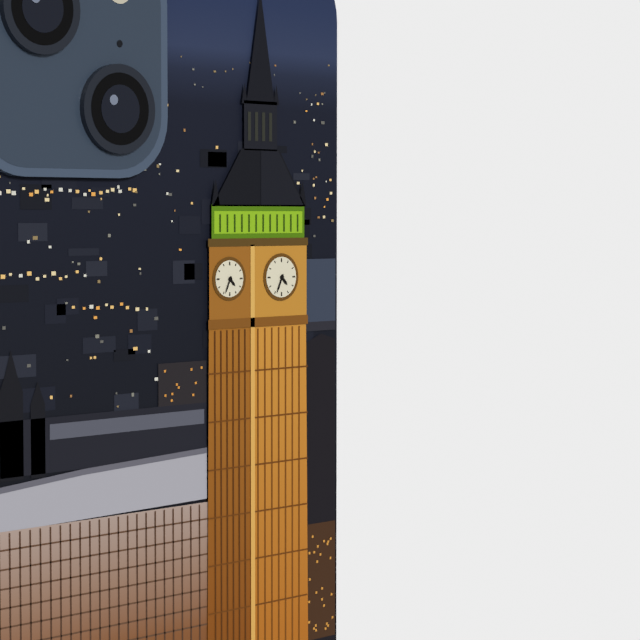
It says 4:34
